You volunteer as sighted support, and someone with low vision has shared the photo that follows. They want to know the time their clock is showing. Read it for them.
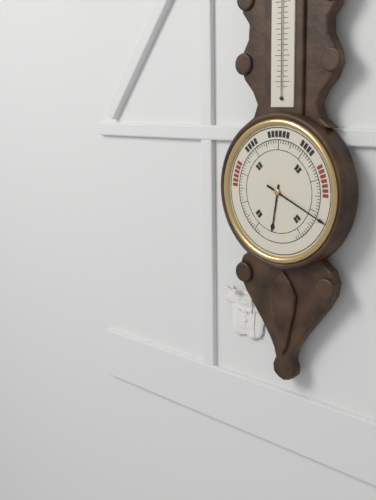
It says 6:19
